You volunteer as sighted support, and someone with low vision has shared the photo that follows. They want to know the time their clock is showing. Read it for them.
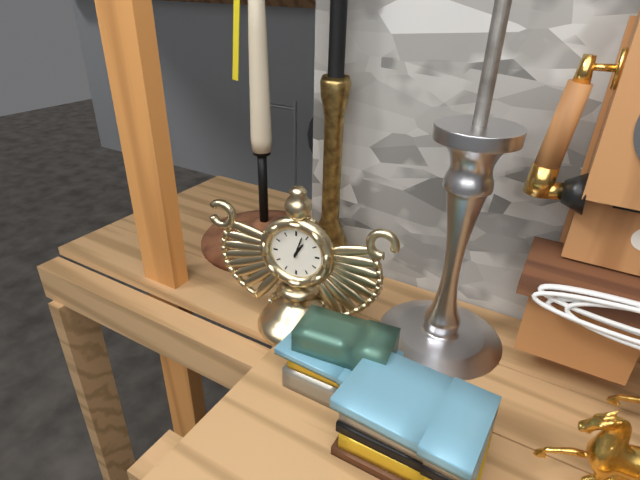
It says 1:03
